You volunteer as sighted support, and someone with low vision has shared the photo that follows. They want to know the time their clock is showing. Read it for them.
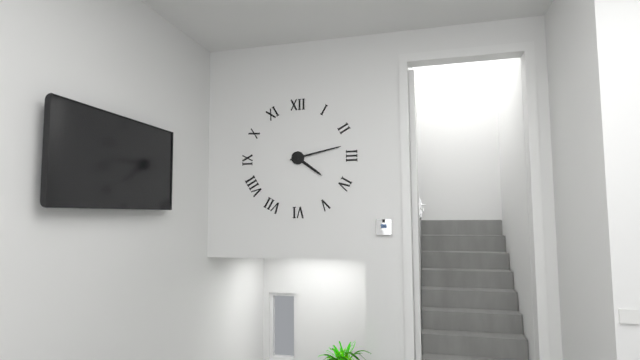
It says 4:13
